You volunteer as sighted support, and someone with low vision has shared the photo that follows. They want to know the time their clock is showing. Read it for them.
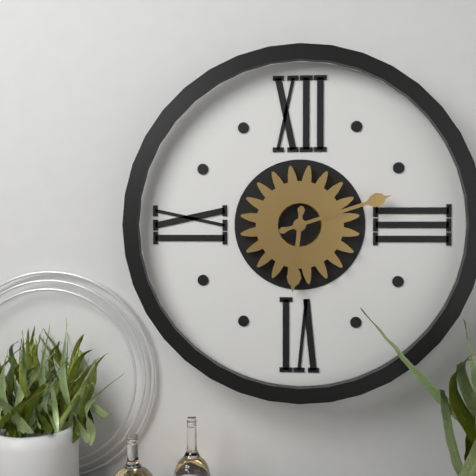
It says 6:12
